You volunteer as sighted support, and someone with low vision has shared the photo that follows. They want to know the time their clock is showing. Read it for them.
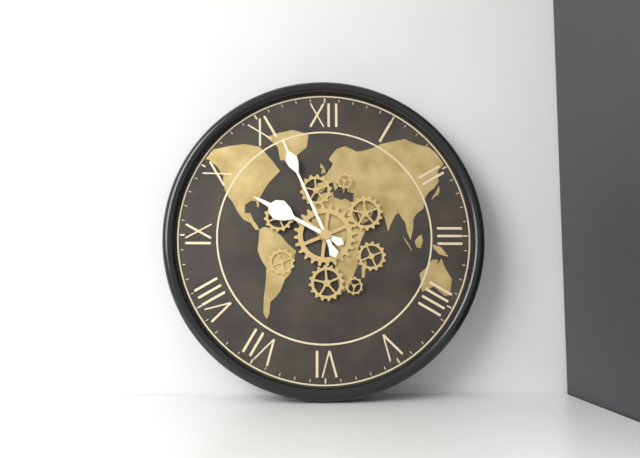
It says 9:56
